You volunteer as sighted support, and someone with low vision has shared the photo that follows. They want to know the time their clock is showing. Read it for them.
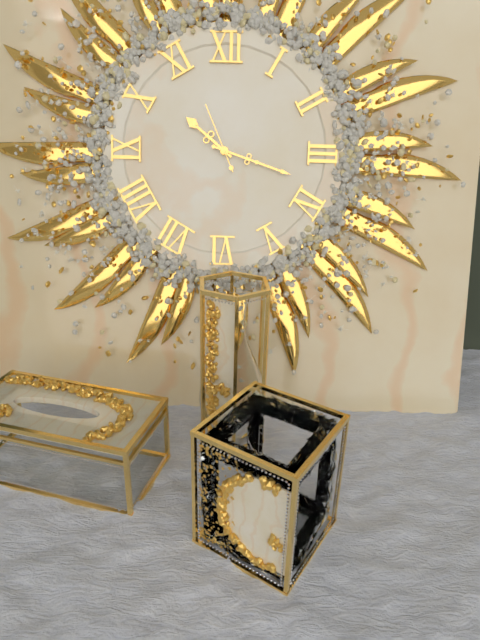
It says 10:18:56
